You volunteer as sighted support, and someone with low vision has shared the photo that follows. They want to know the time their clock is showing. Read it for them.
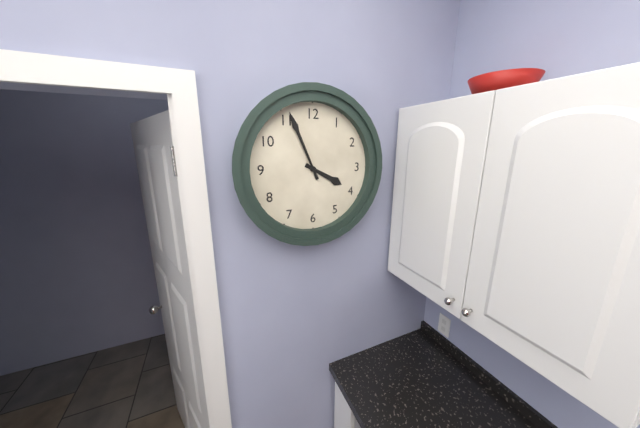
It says 3:56
